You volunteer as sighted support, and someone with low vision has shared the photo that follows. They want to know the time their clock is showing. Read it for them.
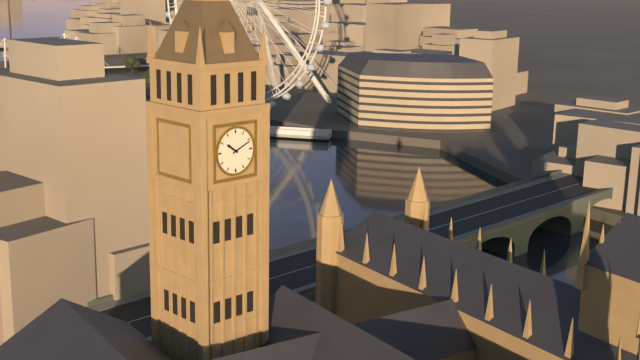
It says 10:11
